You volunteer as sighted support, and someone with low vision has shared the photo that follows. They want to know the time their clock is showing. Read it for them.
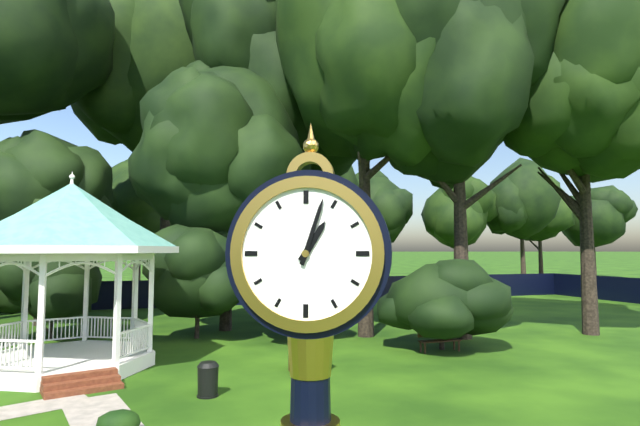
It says 1:03
